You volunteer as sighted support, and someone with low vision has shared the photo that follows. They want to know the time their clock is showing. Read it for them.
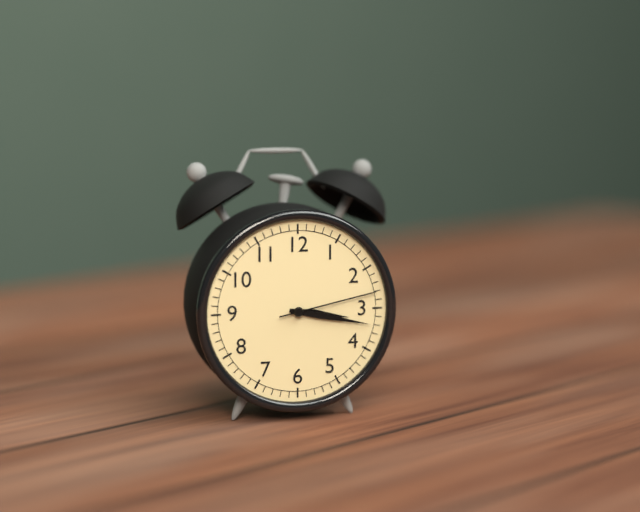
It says 3:17:13
